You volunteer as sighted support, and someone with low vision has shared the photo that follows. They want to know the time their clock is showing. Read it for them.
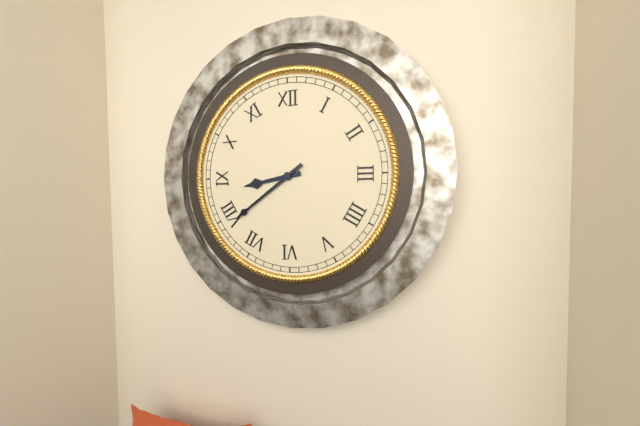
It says 8:39
